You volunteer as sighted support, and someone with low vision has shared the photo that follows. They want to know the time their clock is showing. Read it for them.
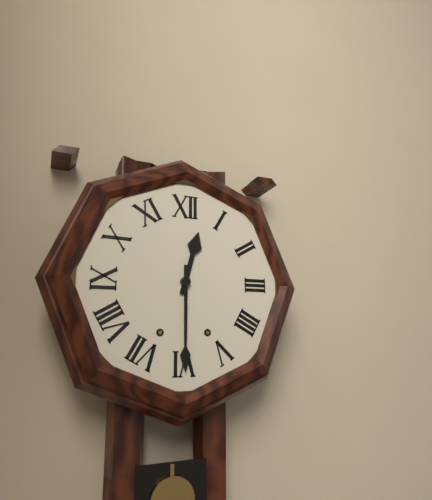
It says 12:30
